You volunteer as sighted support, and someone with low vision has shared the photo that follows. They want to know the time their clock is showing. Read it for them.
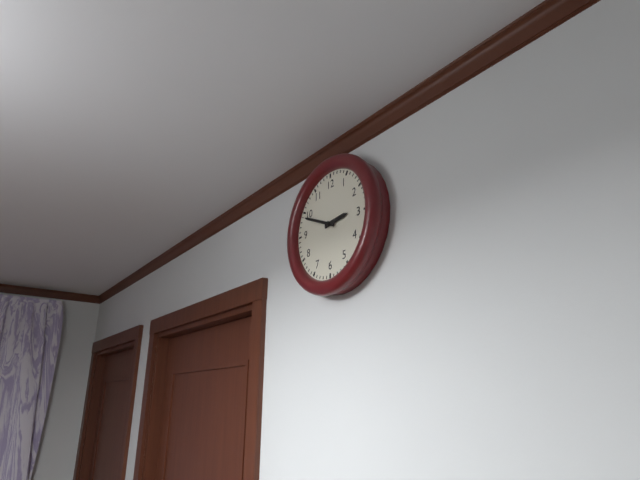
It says 2:49
